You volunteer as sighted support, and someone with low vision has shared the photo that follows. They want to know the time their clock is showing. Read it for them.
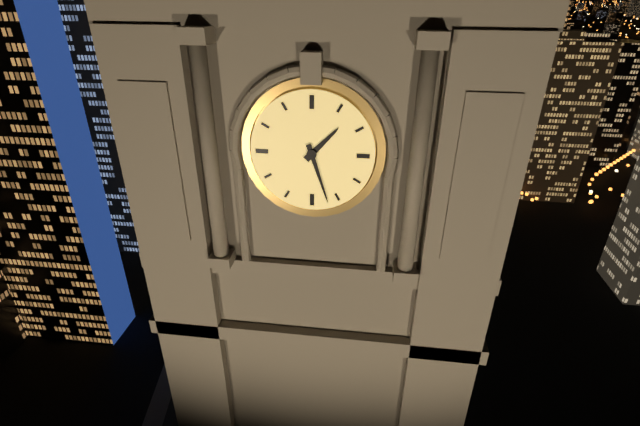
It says 1:27
